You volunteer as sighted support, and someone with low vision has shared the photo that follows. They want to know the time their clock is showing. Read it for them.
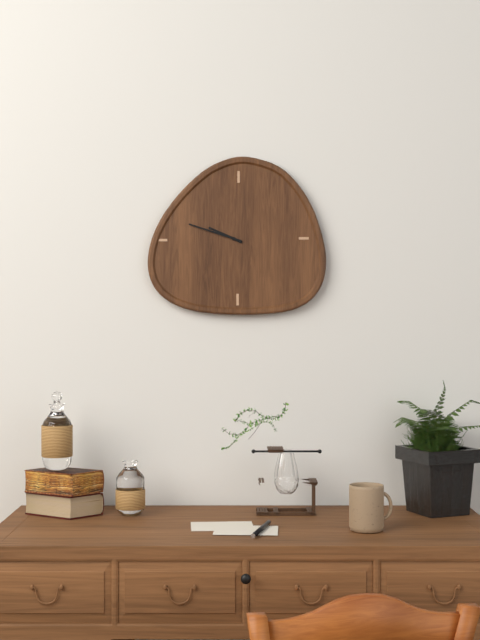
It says 9:48
